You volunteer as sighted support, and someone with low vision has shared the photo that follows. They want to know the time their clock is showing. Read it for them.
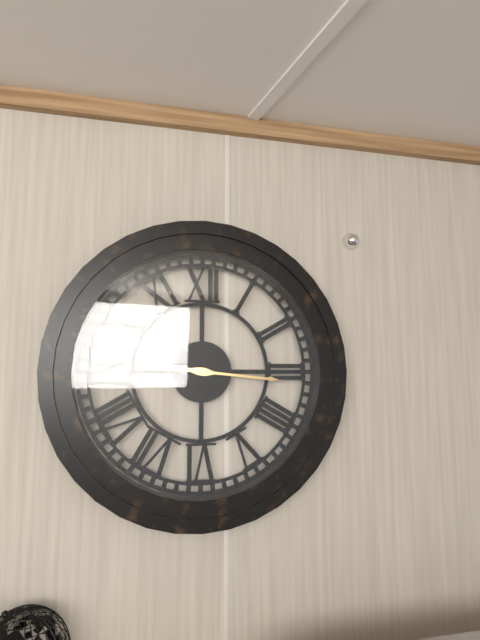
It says 9:16
